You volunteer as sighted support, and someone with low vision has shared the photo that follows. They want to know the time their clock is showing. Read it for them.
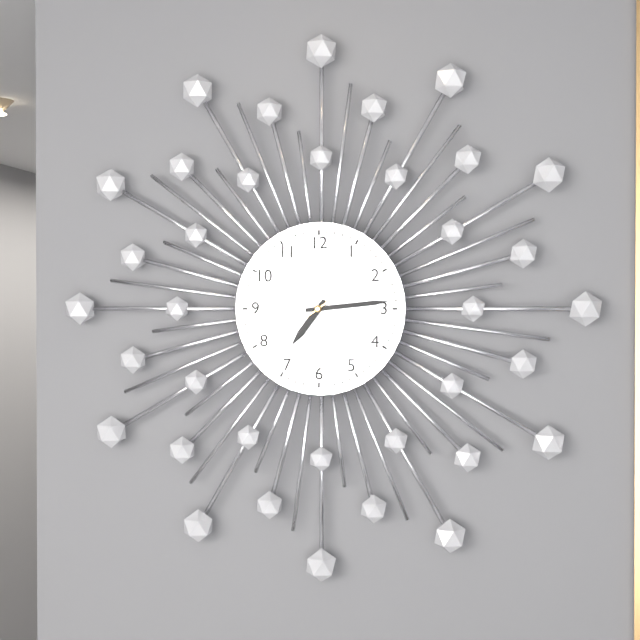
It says 7:14:39
